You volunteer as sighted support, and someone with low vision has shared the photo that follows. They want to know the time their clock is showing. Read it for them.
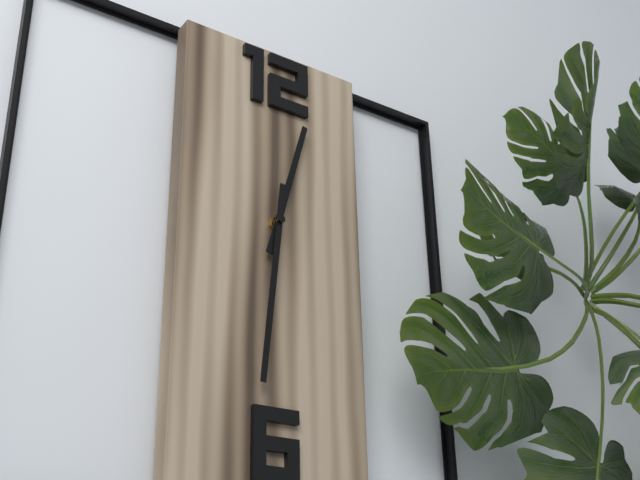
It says 12:31
